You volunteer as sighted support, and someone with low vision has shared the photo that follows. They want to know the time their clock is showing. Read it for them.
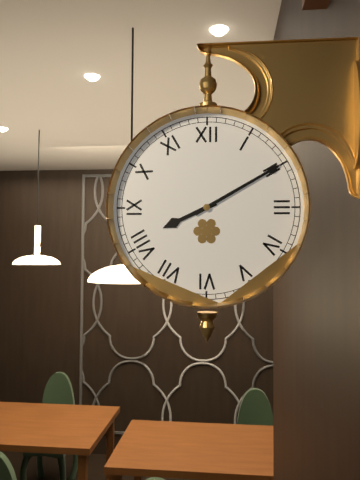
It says 8:10
